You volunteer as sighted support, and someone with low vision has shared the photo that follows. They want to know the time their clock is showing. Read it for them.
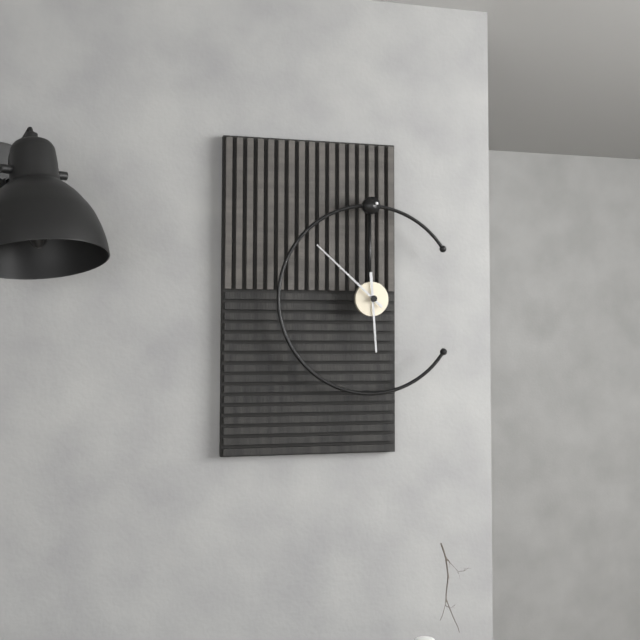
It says 5:52
